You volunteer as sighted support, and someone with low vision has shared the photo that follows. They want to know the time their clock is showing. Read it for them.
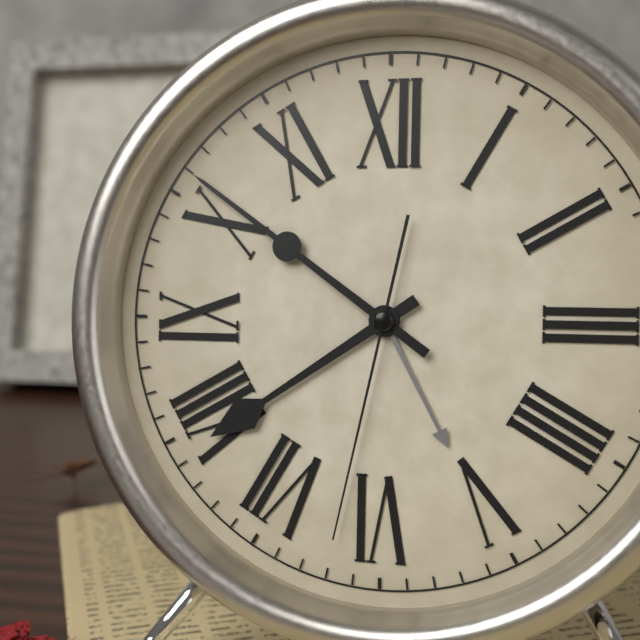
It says 7:51:32
